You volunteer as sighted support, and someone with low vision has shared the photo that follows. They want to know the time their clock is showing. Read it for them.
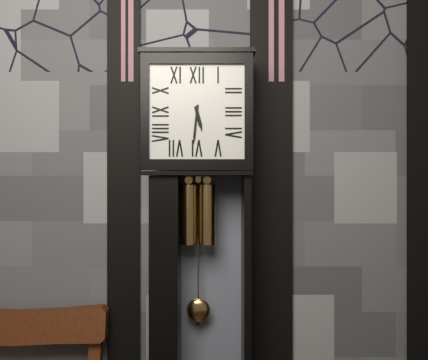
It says 5:31
